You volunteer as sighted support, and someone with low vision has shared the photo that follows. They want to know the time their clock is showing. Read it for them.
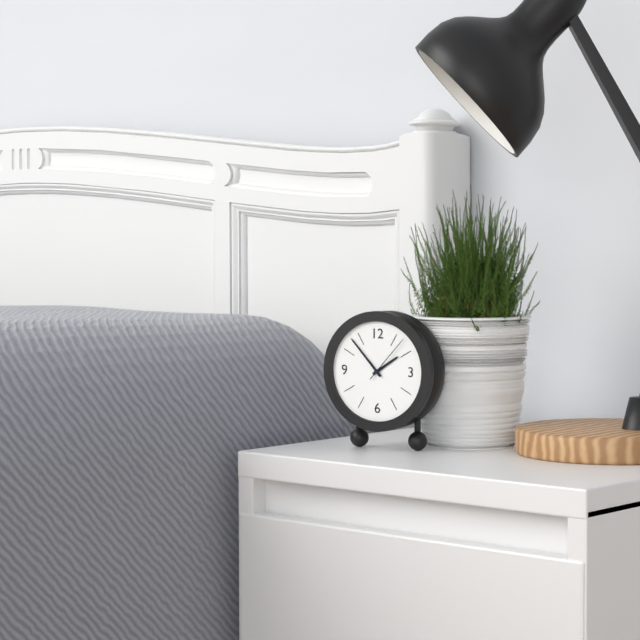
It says 1:53:07
